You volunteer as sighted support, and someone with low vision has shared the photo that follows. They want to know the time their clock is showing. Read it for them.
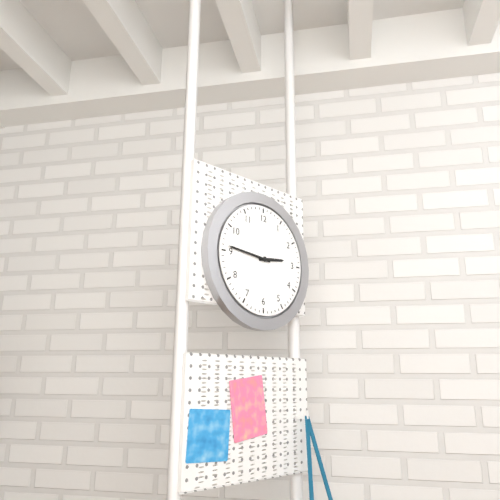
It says 2:46
